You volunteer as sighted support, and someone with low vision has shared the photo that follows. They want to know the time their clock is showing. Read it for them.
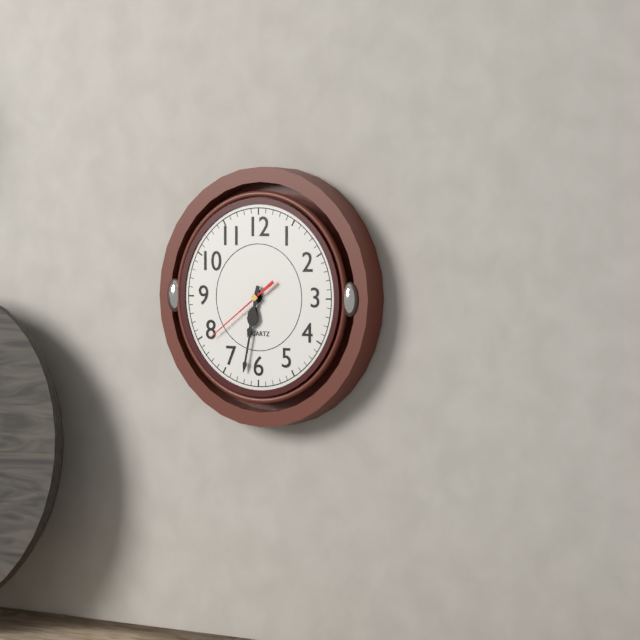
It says 6:32:39
